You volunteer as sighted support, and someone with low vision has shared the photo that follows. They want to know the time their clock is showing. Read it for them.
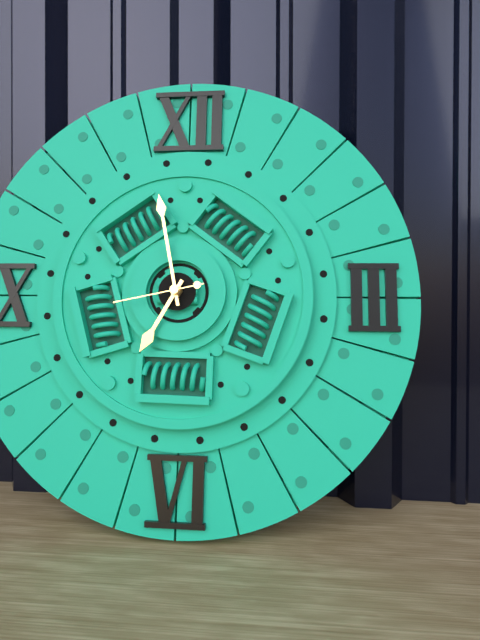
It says 6:58:43
